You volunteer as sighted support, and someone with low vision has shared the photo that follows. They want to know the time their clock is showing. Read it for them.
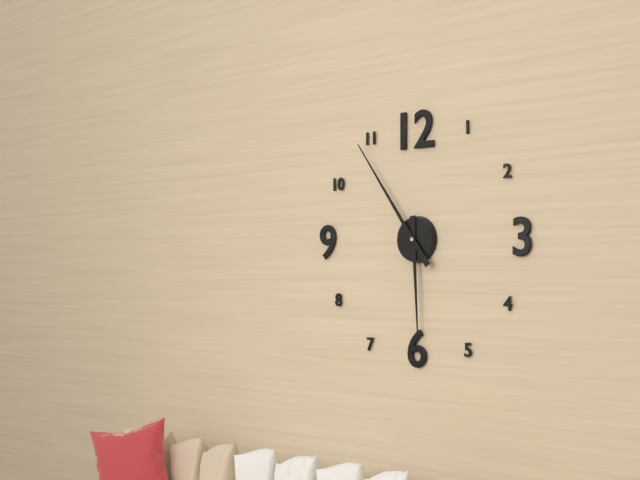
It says 5:54
